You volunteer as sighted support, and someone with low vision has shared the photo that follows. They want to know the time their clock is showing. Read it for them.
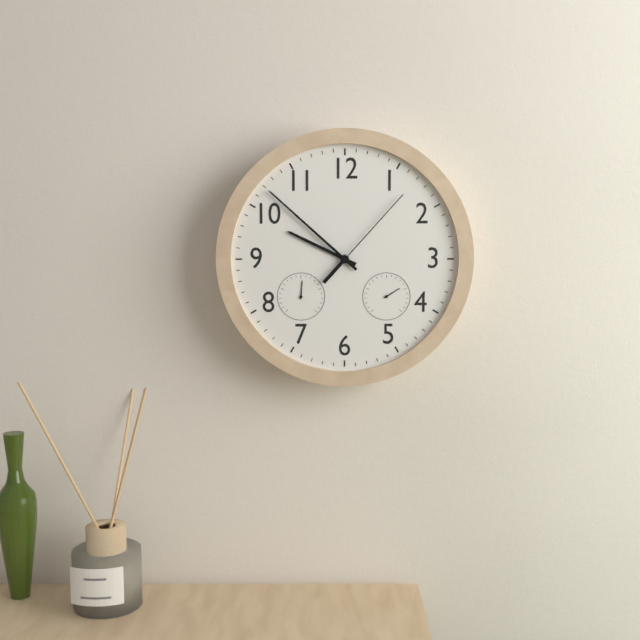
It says 9:52:07
